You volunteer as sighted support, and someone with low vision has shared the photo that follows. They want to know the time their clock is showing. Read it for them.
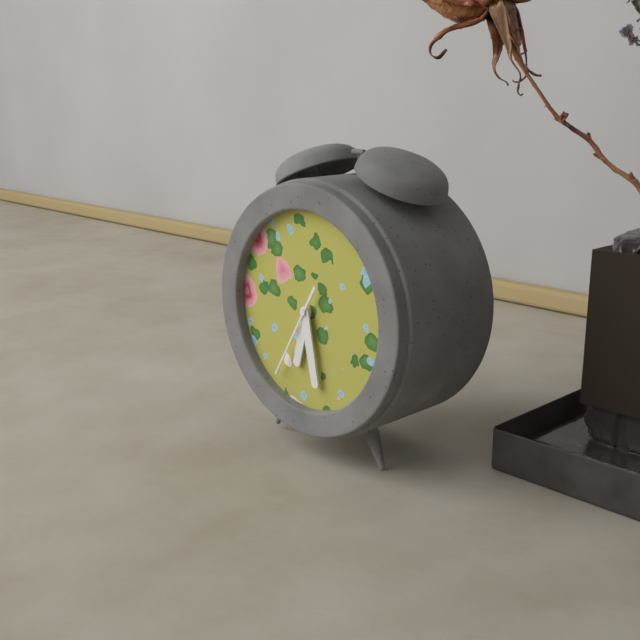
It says 6:28:35
